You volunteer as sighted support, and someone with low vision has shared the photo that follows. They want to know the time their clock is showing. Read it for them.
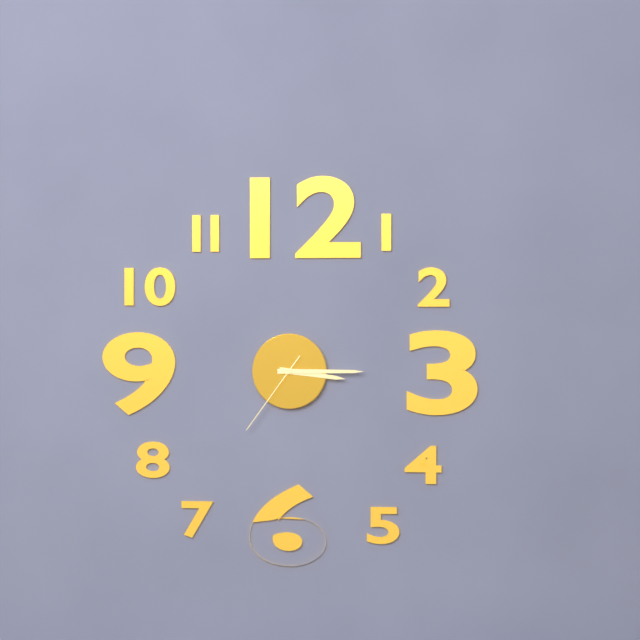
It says 3:15:36
